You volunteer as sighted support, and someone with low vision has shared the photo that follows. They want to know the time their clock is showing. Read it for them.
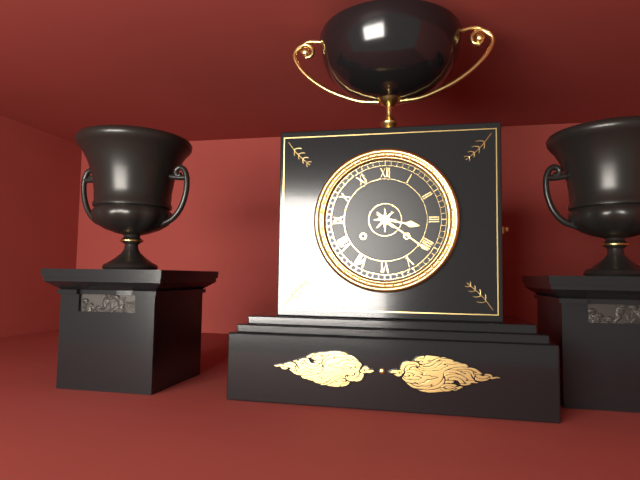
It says 3:21
